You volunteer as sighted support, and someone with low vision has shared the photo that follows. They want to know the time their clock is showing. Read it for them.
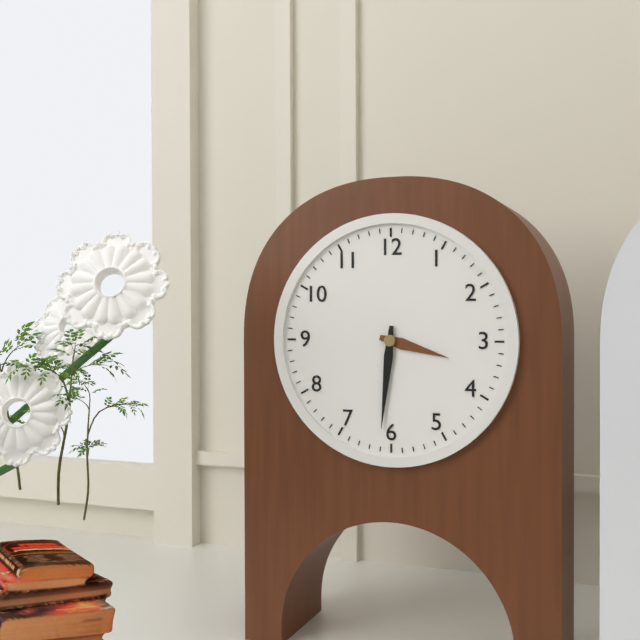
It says 3:31
